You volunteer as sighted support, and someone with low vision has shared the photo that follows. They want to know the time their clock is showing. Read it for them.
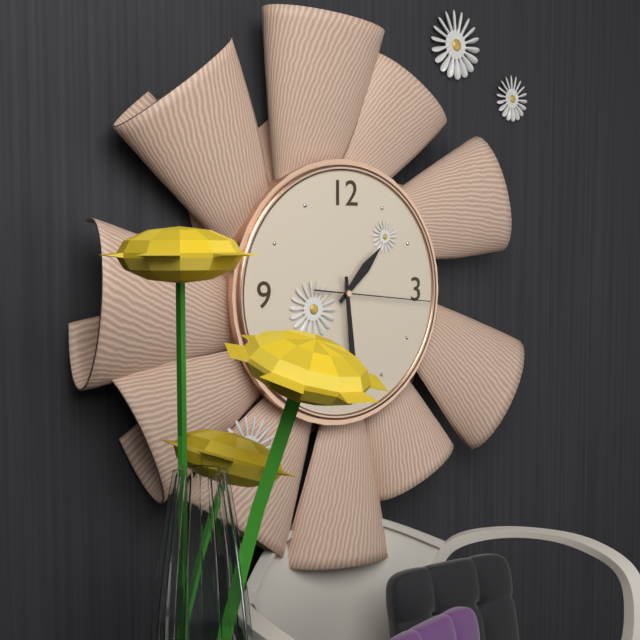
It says 1:29:16
